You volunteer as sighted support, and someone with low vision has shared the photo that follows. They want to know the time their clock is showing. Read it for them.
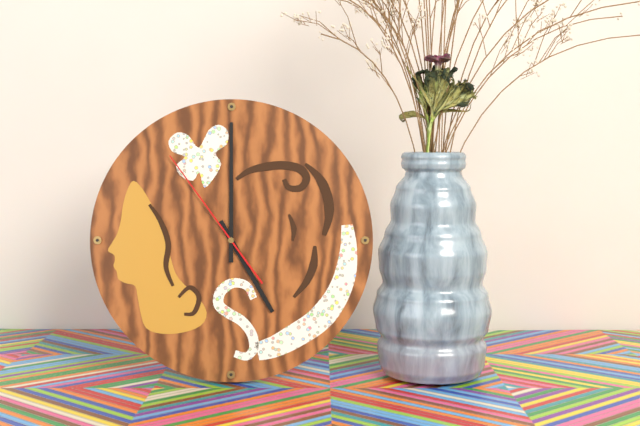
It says 5:00:54
